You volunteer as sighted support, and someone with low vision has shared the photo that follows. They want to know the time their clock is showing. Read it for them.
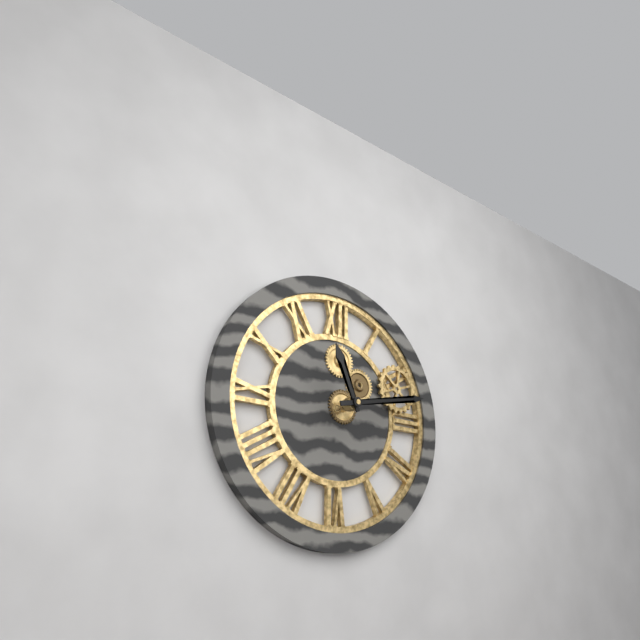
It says 11:13
